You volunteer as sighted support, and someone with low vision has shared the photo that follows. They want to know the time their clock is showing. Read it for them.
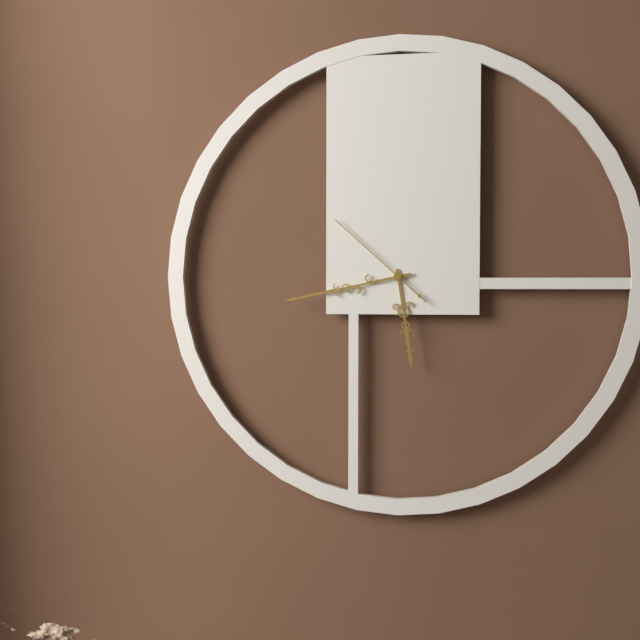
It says 5:43:52
